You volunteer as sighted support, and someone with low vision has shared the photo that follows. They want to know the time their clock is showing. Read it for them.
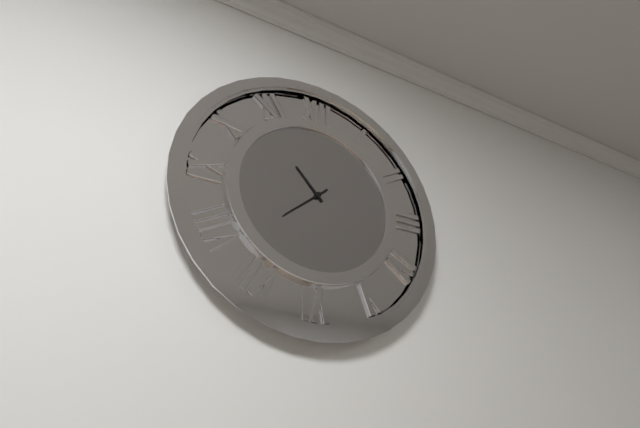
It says 10:38
